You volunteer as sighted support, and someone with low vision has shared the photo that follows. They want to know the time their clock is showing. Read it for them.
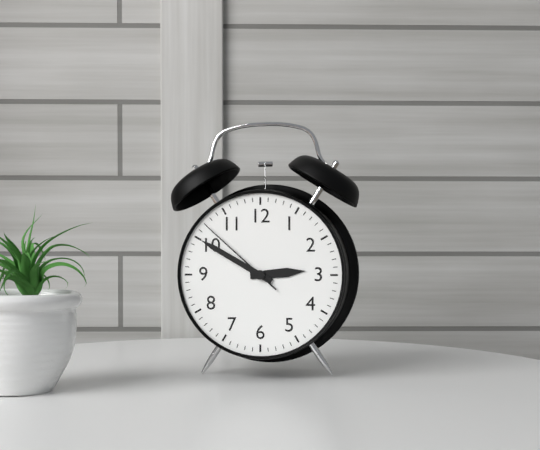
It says 2:50:52
